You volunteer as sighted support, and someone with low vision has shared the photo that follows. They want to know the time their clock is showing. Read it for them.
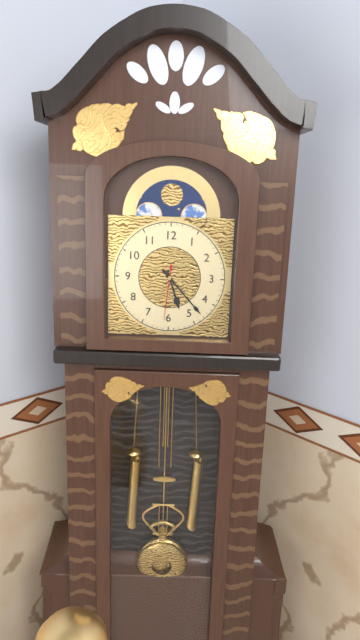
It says 5:23:31
